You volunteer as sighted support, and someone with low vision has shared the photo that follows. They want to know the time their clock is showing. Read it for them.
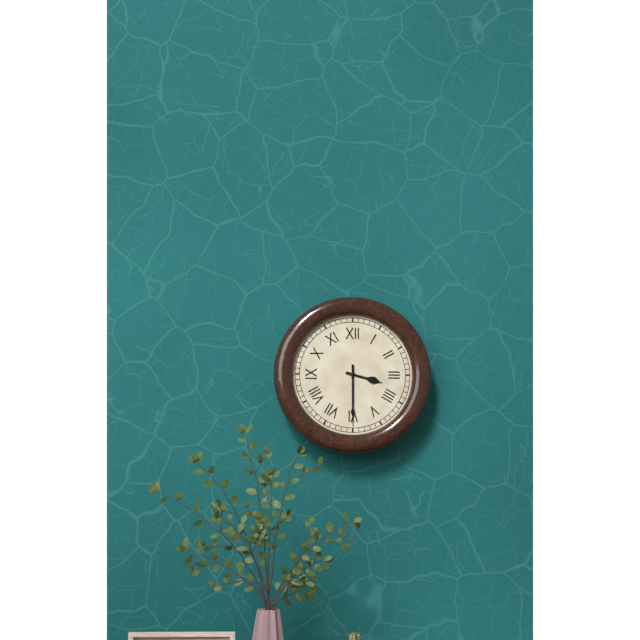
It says 3:30
